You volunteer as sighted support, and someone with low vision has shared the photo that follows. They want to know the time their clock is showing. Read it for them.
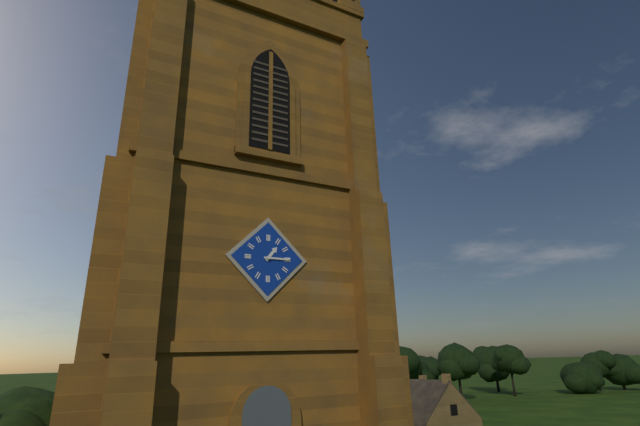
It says 1:15
